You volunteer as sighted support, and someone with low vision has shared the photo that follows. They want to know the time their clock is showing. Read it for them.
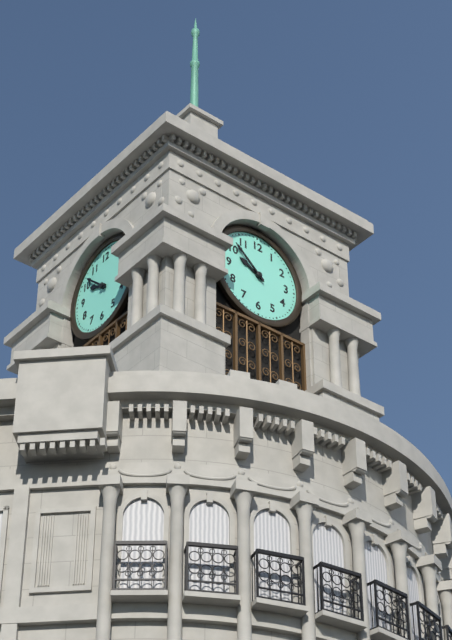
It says 9:52
